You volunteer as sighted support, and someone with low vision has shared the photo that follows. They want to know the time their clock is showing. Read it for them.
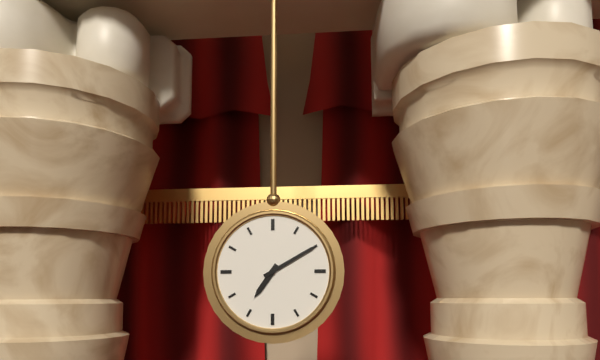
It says 7:10
